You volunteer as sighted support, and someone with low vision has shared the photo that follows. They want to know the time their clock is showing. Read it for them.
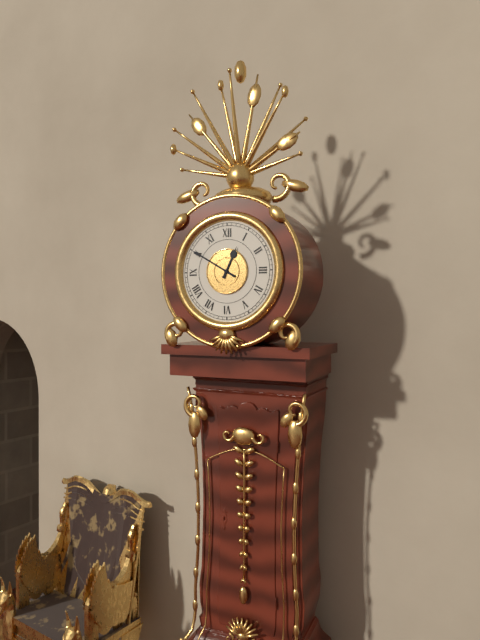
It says 12:50
